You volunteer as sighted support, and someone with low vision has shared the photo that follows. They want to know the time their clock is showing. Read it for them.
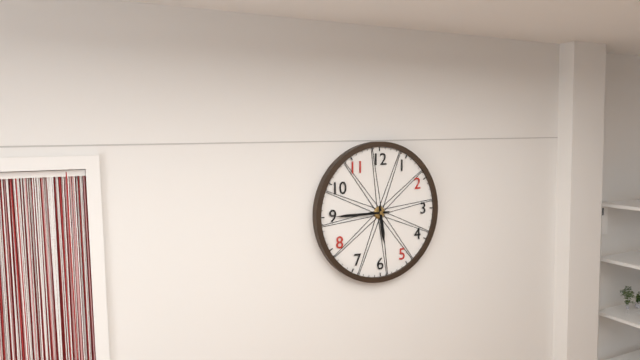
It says 5:45
